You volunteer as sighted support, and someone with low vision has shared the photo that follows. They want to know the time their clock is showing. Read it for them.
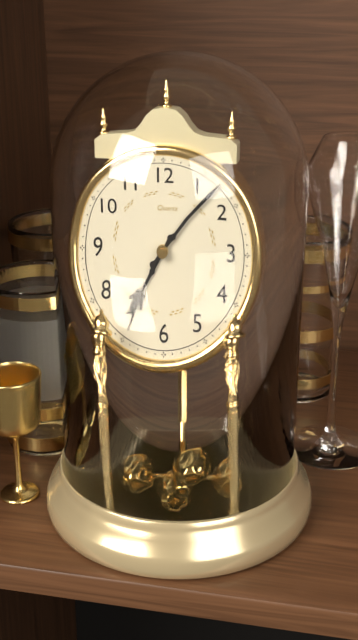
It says 7:07
